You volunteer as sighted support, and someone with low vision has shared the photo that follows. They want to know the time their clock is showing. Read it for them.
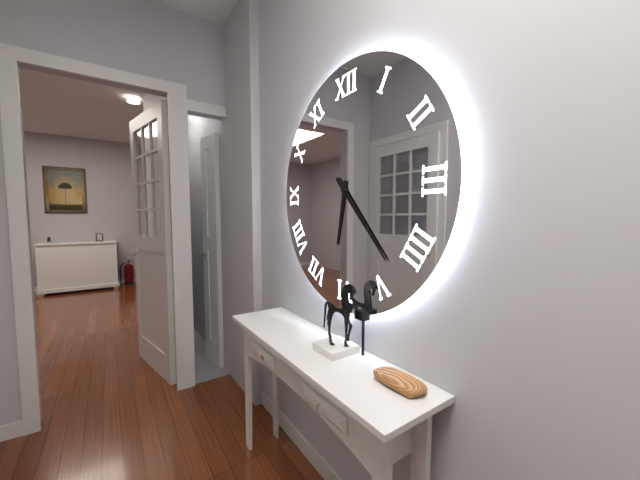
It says 6:23
